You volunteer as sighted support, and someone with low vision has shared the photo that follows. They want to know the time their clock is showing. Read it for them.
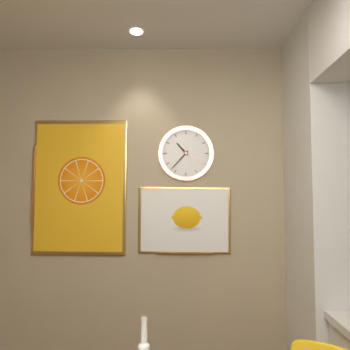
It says 10:37
